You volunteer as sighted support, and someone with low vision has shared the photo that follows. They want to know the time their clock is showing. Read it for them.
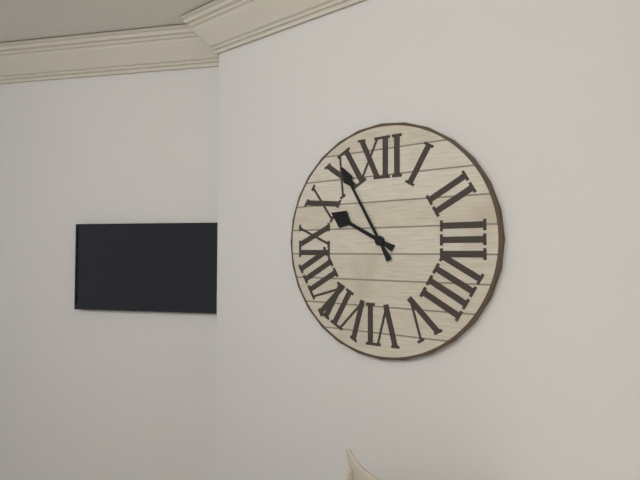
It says 9:55
